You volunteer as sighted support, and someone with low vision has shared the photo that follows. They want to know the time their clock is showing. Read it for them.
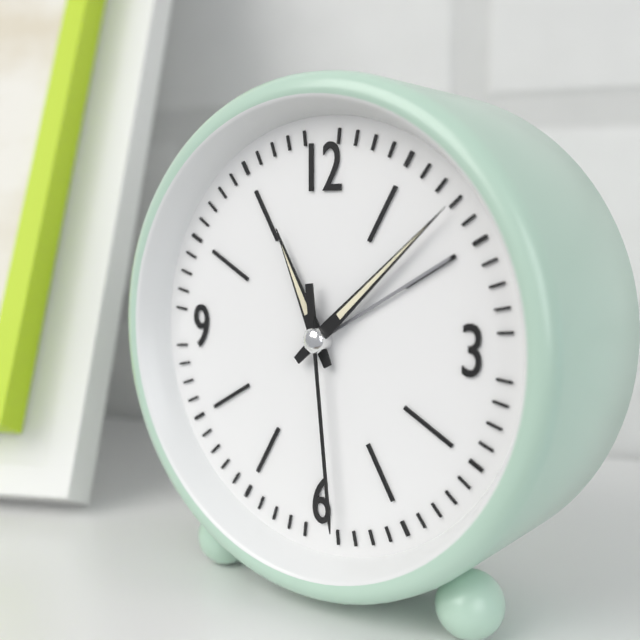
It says 11:08:29
